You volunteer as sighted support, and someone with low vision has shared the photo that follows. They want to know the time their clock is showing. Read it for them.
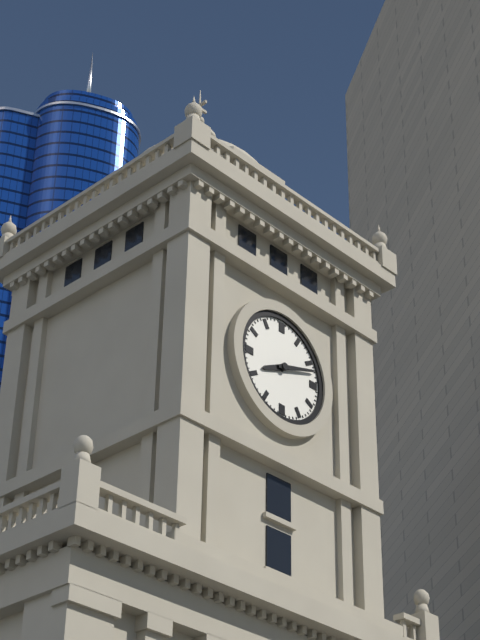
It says 8:12
